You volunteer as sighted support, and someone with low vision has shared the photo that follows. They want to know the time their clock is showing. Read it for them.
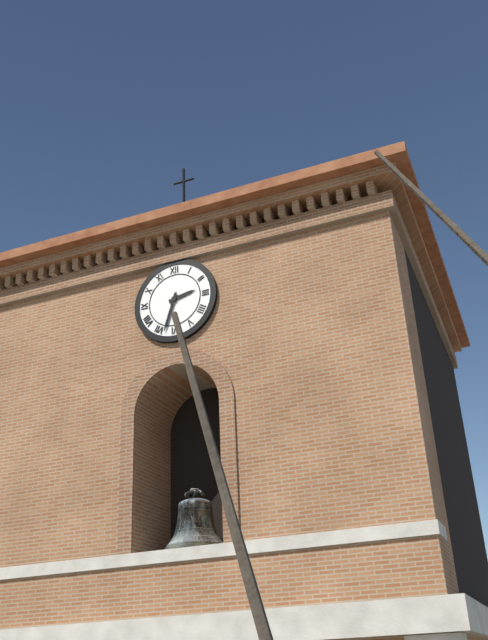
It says 2:33
